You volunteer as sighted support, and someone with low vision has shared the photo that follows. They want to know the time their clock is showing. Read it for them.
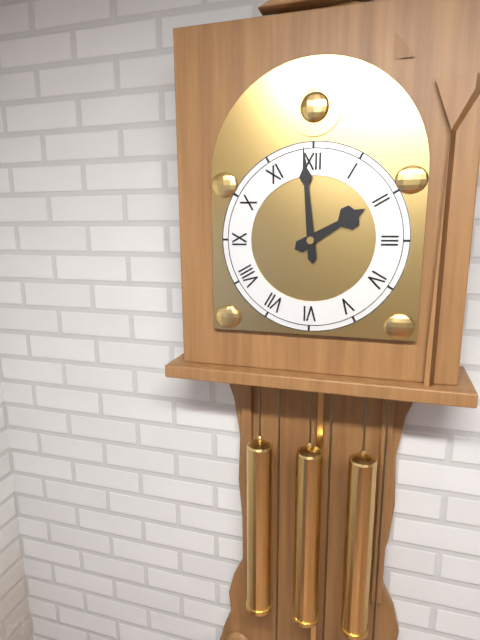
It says 1:59
